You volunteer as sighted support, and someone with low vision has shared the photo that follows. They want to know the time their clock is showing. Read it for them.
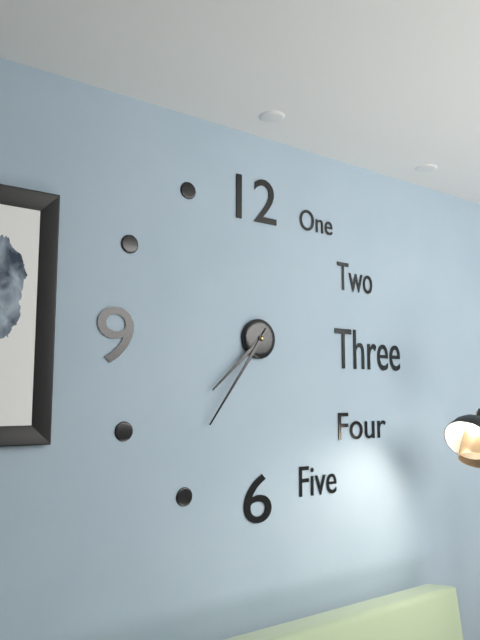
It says 7:36
